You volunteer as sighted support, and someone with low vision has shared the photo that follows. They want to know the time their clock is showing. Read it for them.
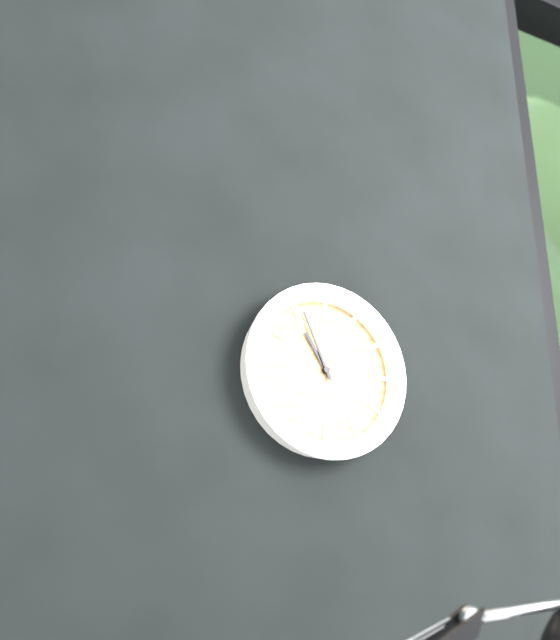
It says 10:56
